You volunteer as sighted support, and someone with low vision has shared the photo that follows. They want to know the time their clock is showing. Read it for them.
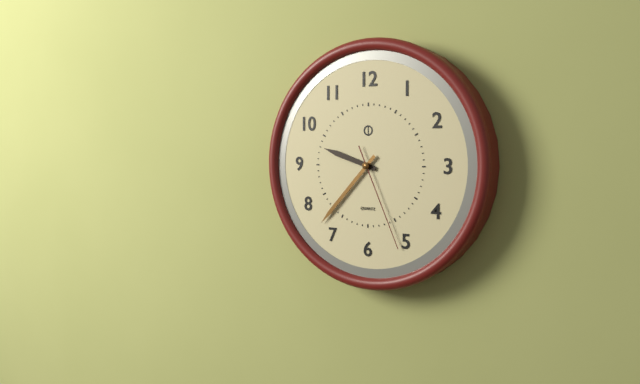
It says 9:37:26
